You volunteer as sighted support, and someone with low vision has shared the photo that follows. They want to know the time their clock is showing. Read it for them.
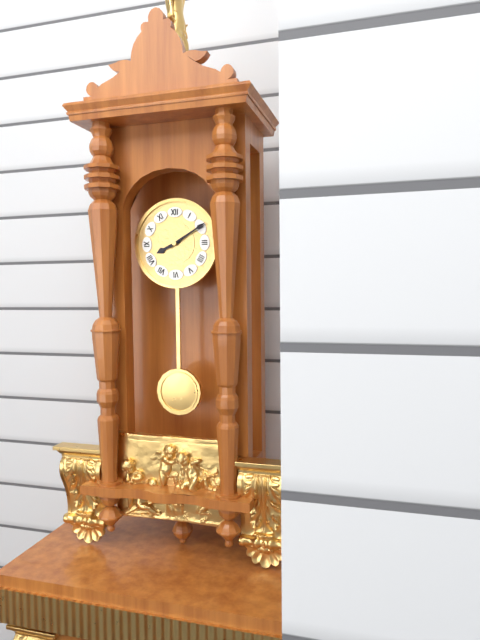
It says 8:10
